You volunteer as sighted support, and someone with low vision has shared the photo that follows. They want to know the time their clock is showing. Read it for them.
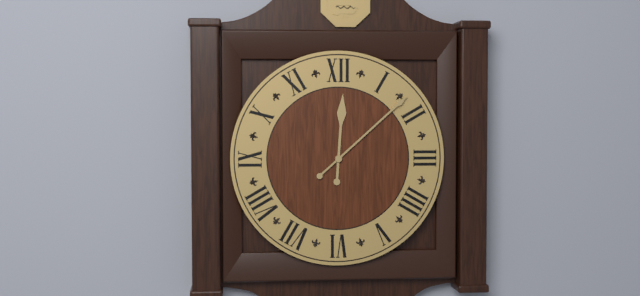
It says 12:08
